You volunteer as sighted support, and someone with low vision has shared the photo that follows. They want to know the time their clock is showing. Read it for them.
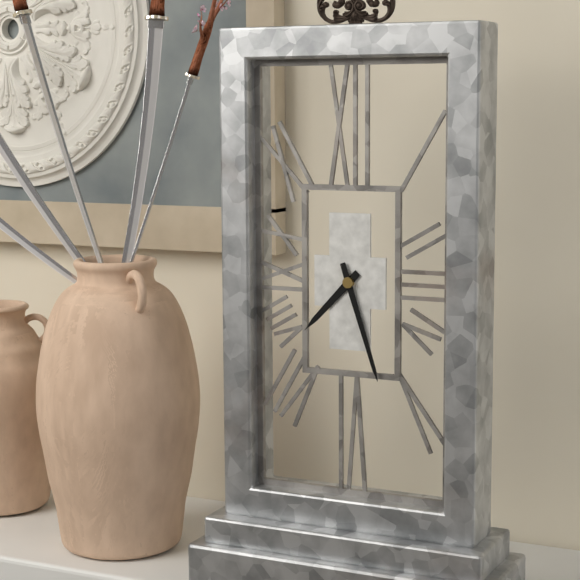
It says 7:27
